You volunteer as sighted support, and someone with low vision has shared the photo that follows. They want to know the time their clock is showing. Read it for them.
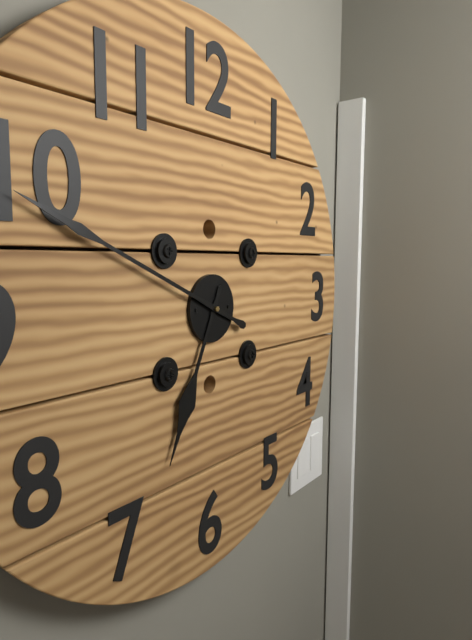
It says 6:49
